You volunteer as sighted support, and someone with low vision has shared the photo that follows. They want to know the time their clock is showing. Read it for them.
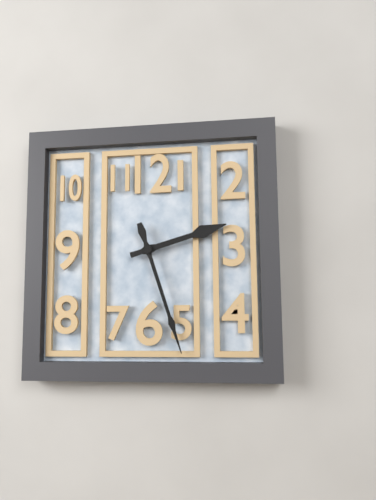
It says 2:27
